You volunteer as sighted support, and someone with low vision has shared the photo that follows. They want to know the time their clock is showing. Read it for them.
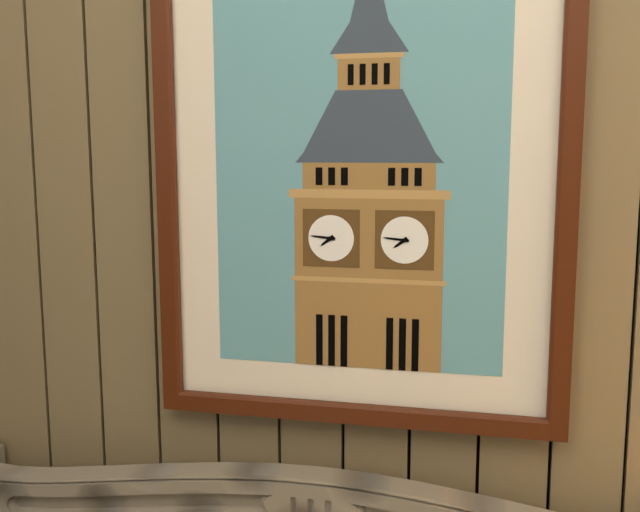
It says 7:46
